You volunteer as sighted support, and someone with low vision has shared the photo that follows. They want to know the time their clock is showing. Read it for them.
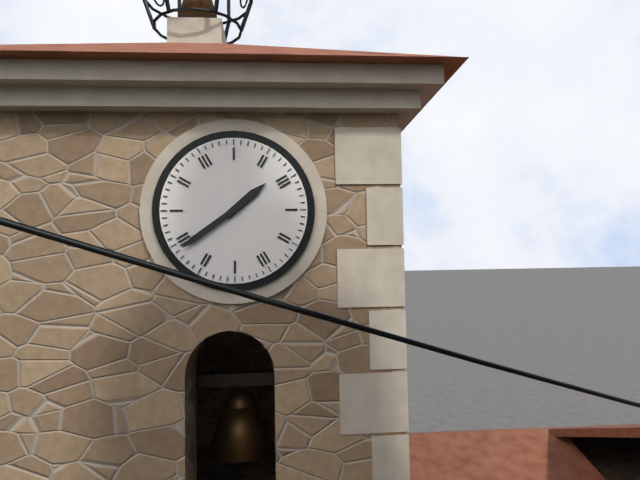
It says 1:39
